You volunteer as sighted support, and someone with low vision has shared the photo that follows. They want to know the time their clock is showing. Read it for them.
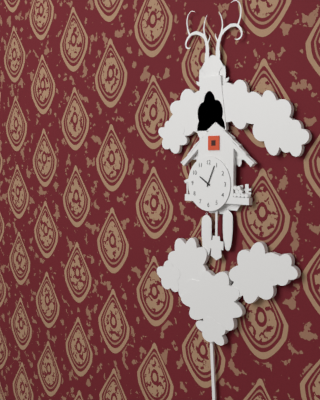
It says 10:04
